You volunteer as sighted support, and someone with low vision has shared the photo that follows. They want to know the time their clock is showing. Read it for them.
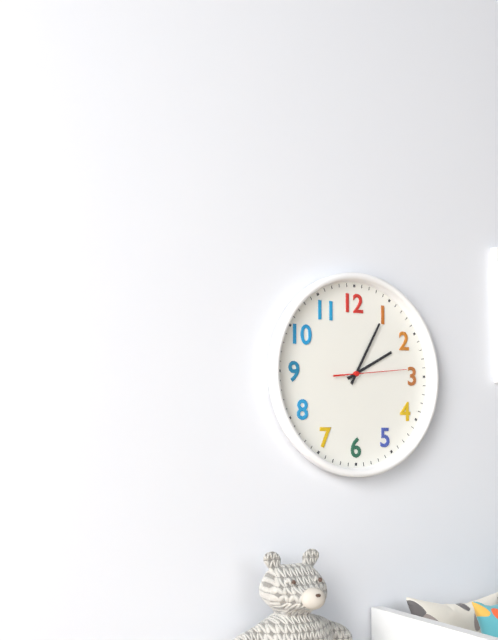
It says 2:05:14
